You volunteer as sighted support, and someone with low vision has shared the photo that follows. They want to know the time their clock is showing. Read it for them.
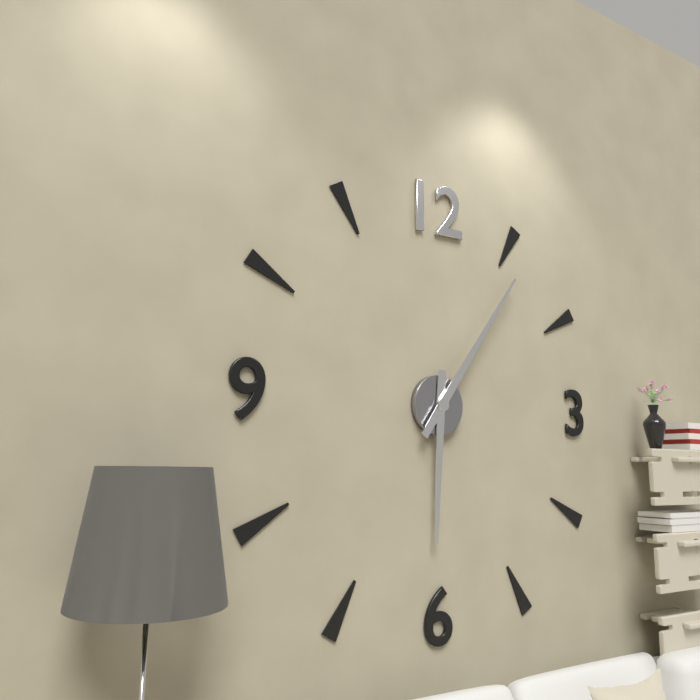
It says 6:06
